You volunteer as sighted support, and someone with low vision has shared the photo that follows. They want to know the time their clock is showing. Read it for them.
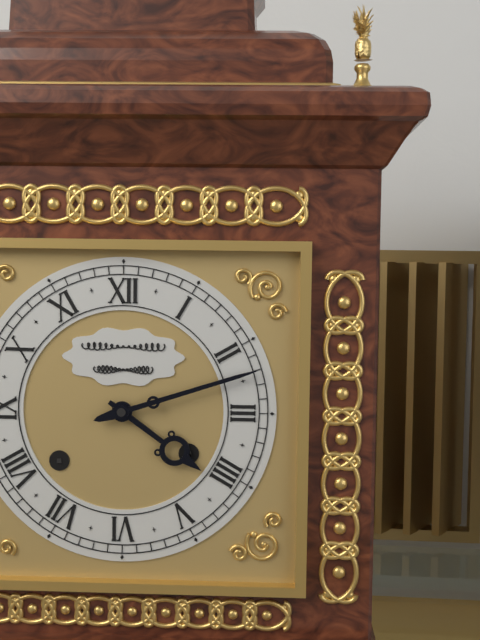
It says 4:12
